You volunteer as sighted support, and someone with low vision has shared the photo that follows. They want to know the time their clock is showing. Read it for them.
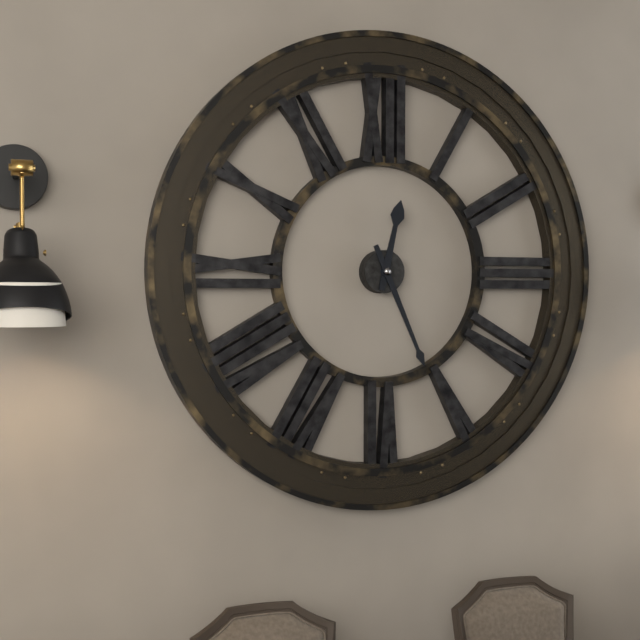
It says 12:26
